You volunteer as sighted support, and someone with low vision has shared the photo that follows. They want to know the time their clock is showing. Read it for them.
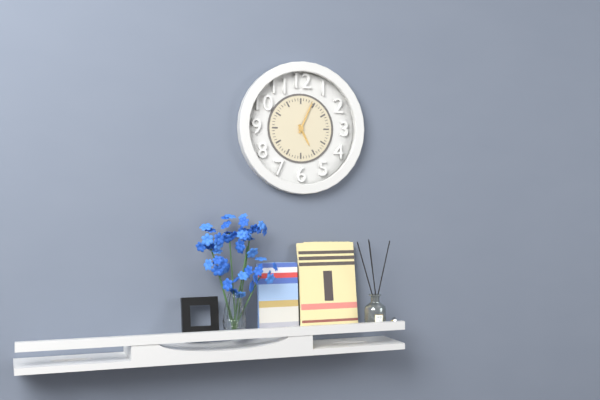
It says 5:04
